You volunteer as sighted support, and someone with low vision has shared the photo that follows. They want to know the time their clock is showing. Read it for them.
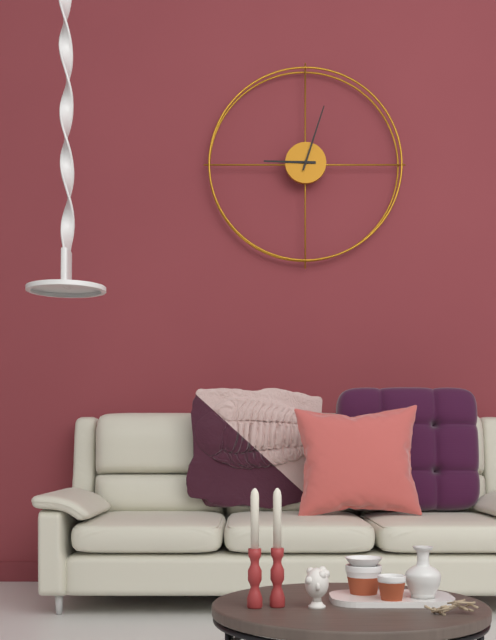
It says 9:03
